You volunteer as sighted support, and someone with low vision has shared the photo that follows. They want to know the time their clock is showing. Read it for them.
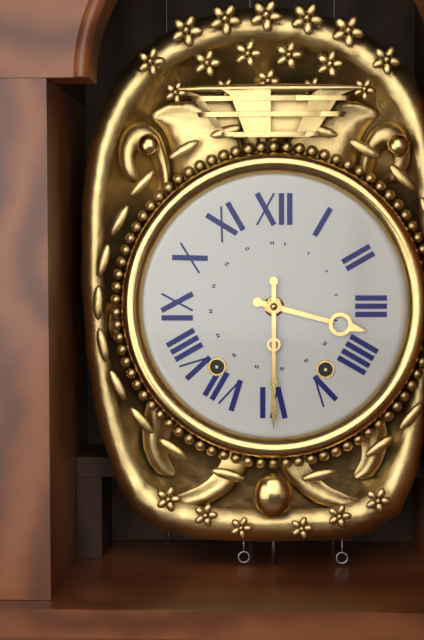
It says 3:30
